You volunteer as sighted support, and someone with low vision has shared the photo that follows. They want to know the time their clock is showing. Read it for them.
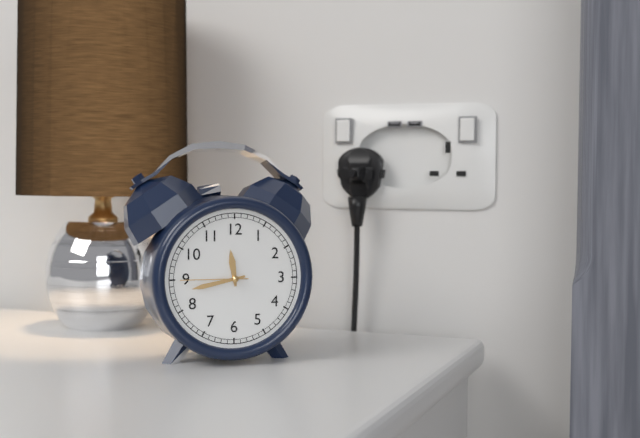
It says 11:43:45
